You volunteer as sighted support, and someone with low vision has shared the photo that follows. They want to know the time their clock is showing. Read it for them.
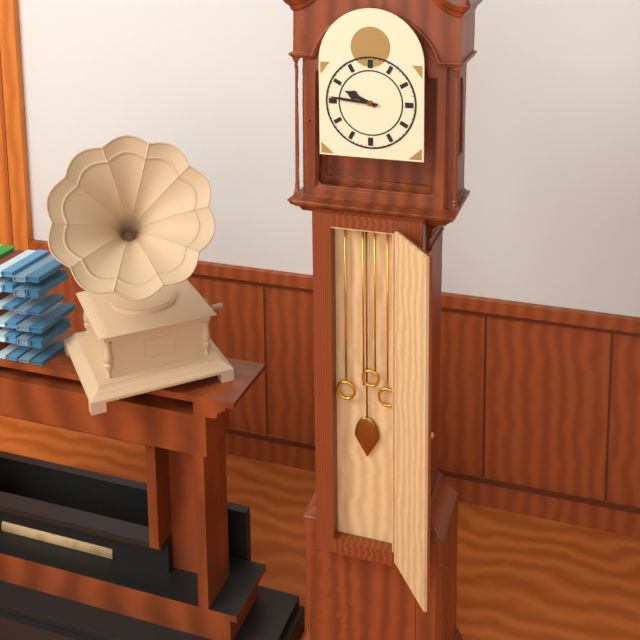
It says 9:46
